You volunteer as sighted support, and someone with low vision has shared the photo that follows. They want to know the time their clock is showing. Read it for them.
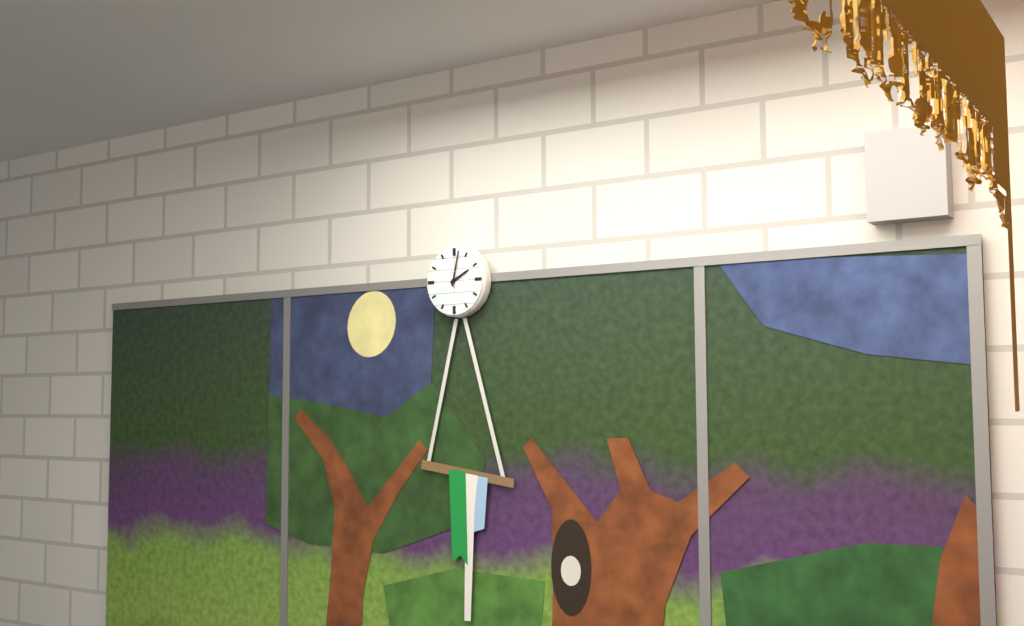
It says 2:02
